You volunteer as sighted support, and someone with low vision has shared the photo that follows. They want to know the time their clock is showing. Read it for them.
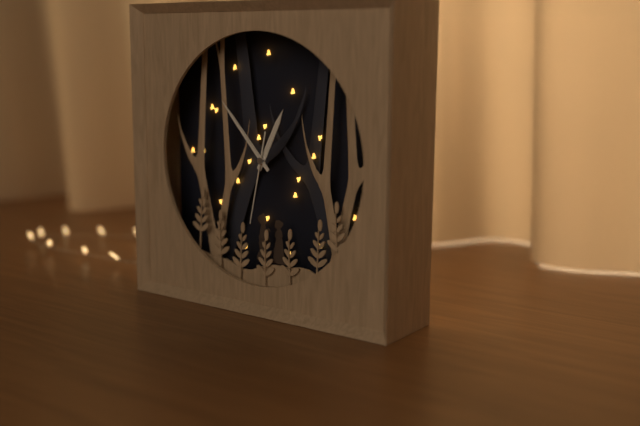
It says 12:53:32
